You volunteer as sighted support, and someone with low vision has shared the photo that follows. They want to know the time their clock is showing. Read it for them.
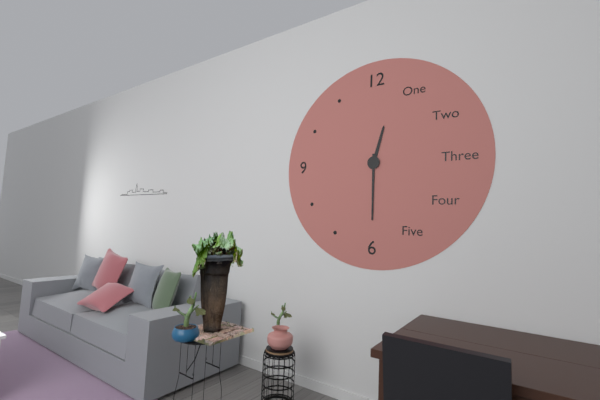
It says 12:30
